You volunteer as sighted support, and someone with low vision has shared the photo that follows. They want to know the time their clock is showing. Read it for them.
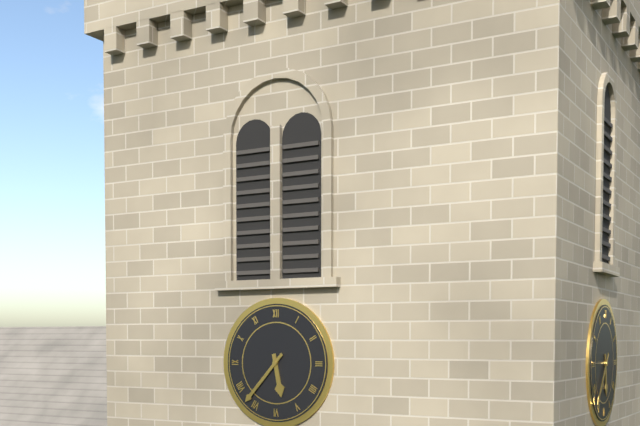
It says 5:37
